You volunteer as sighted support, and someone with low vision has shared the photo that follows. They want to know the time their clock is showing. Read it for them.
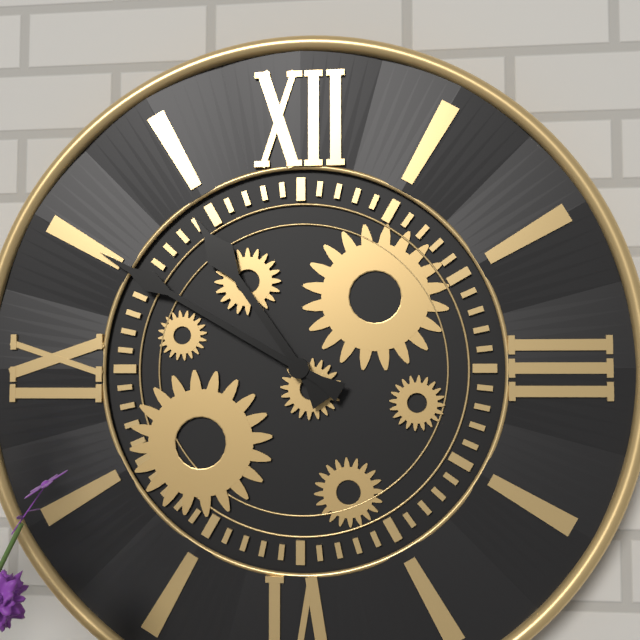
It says 10:50
